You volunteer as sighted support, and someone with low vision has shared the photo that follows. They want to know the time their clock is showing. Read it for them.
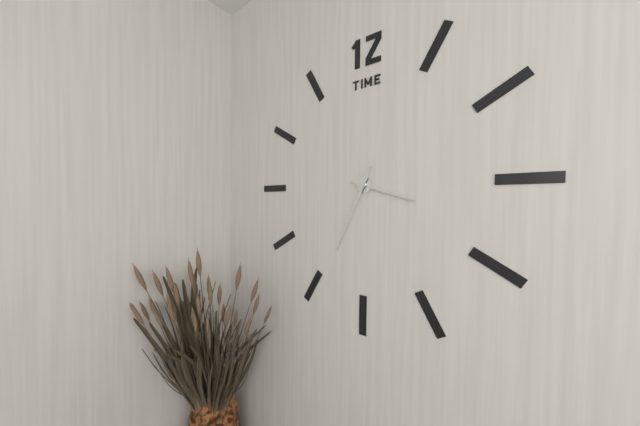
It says 3:34
